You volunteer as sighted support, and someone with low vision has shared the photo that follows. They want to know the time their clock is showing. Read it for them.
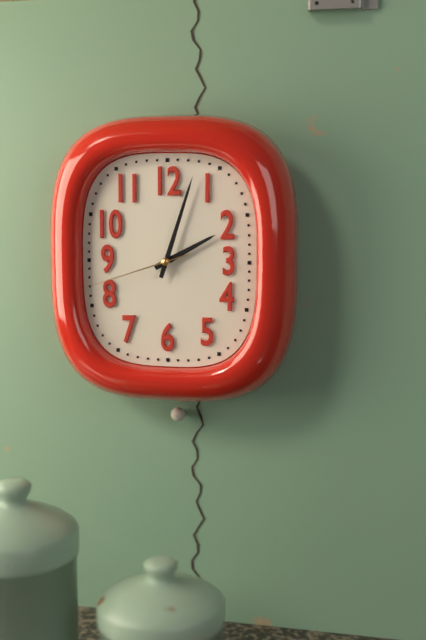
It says 2:03:42
